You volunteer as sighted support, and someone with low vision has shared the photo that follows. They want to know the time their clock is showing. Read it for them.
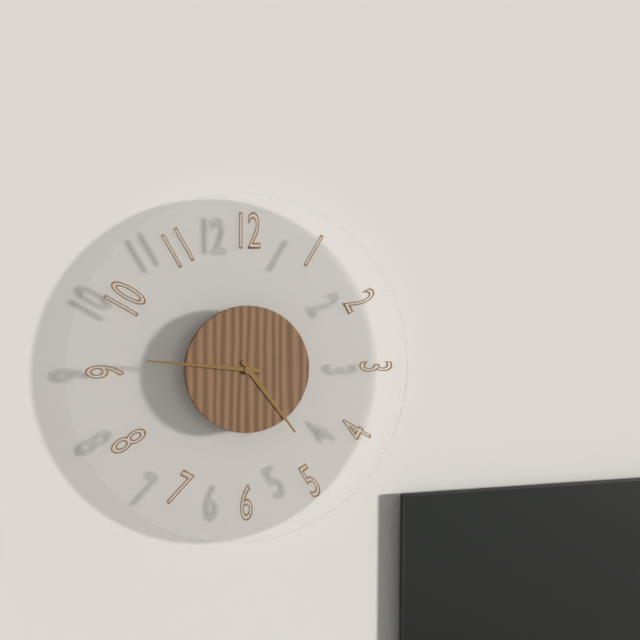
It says 4:46
